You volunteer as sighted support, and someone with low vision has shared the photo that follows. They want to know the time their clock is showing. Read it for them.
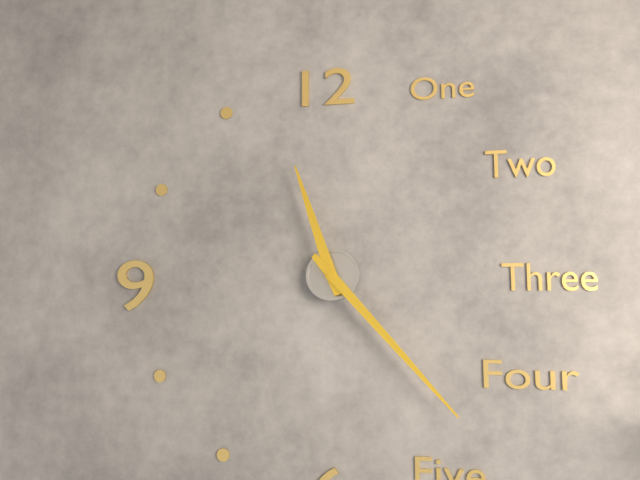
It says 11:23
